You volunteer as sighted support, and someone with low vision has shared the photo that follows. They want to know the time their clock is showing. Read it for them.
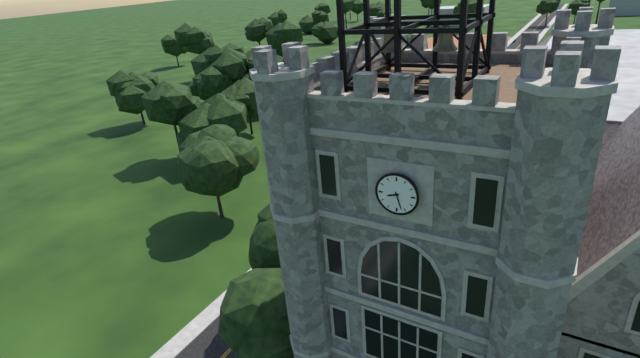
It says 8:27
